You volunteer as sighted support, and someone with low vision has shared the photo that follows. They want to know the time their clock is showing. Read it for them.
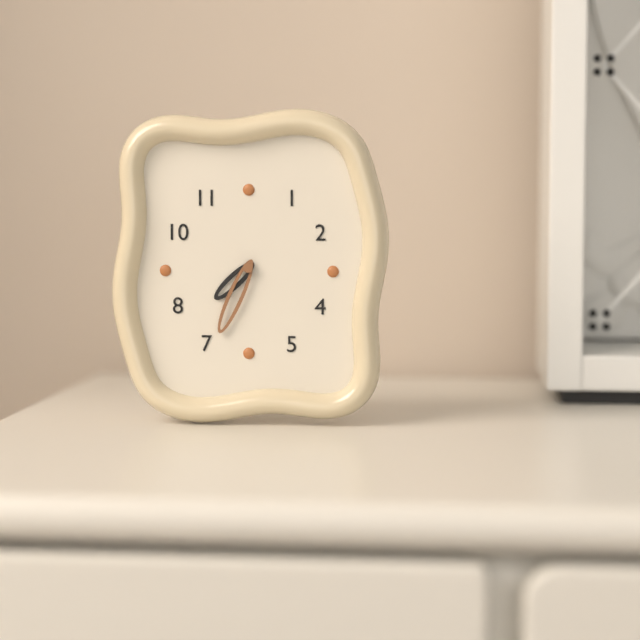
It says 7:34
